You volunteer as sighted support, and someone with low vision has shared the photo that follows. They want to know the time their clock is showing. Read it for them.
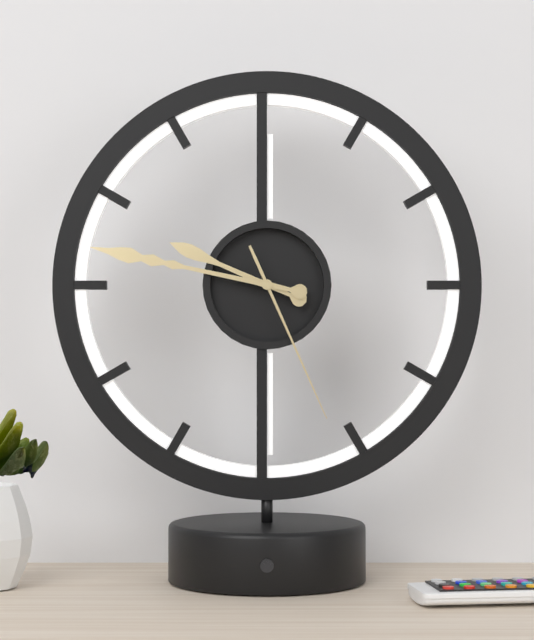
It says 9:47:26
